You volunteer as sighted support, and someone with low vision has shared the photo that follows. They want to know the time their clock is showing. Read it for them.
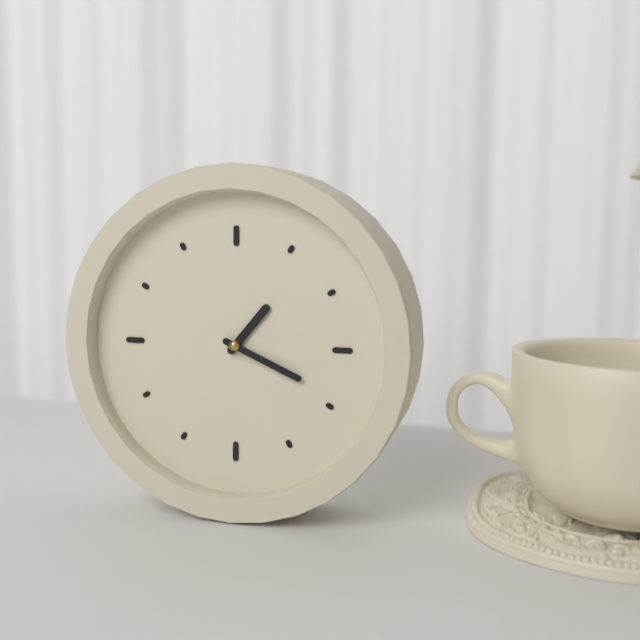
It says 1:19
